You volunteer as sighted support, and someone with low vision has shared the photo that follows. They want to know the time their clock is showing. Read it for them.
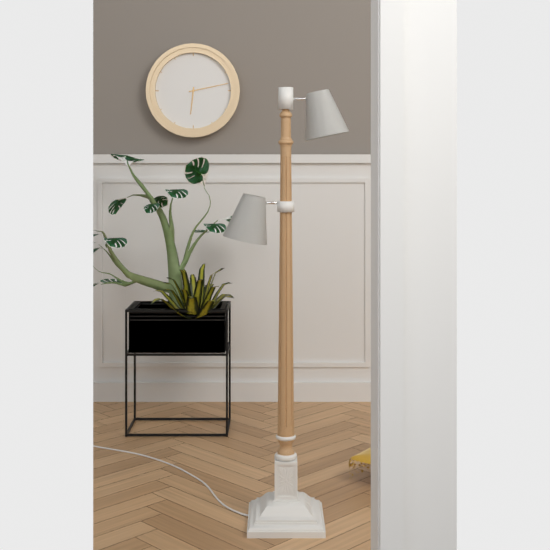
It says 6:13
